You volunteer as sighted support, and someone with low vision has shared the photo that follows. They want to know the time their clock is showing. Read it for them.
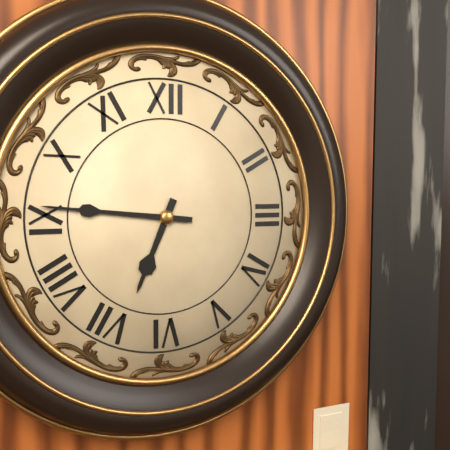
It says 6:46
